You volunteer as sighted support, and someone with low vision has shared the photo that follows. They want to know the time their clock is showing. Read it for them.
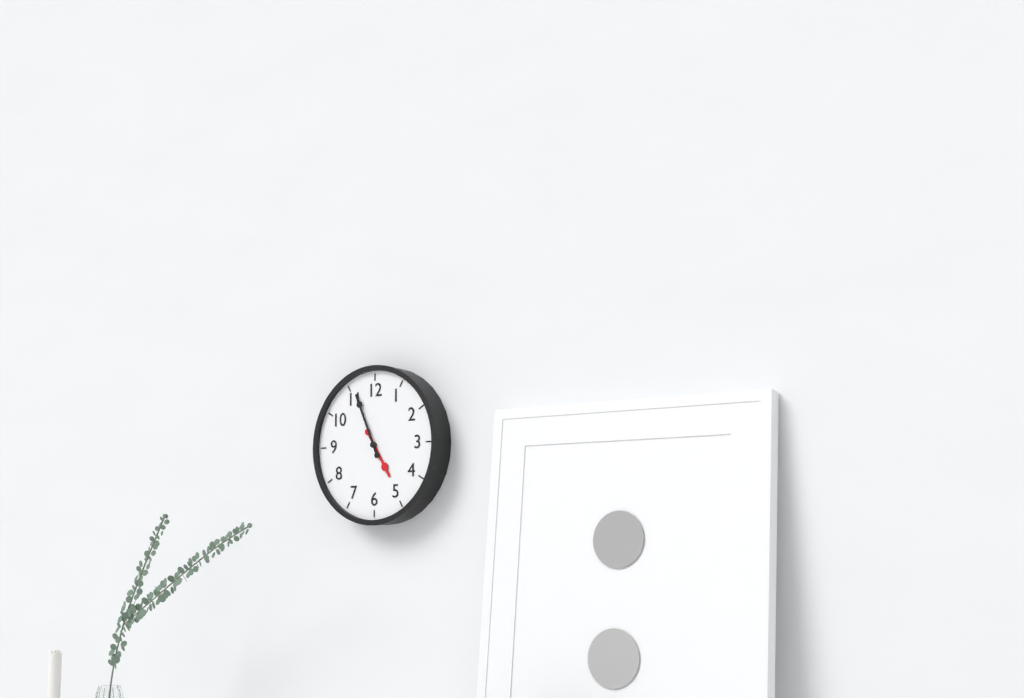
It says 4:56
